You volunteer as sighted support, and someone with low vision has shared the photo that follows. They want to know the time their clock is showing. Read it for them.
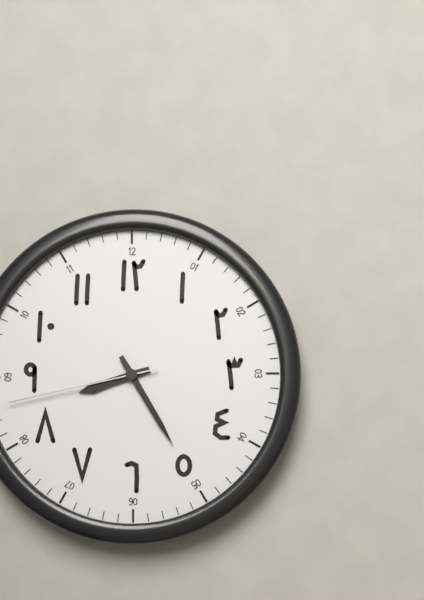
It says 8:25:43
